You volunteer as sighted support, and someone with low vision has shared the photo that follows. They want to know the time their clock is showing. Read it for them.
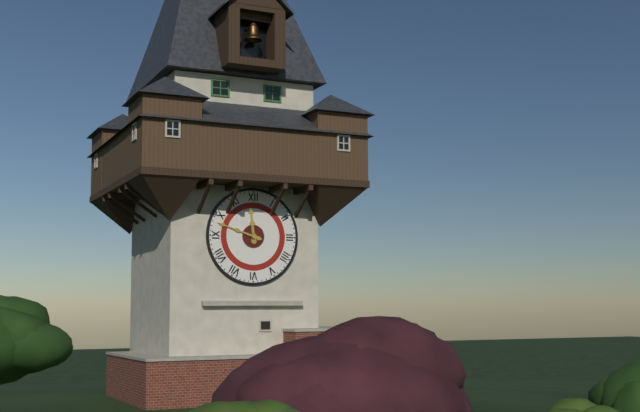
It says 11:48
